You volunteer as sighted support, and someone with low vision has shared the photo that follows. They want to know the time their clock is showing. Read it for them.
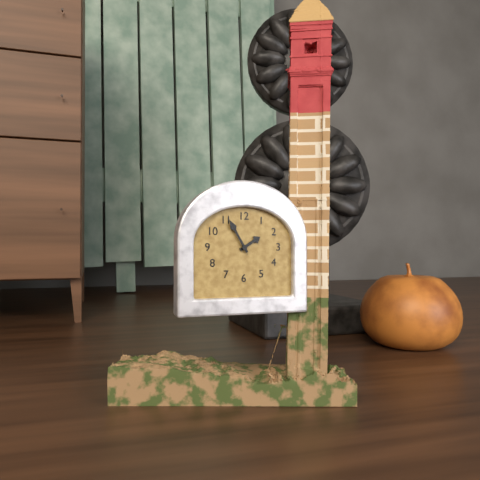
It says 1:55
